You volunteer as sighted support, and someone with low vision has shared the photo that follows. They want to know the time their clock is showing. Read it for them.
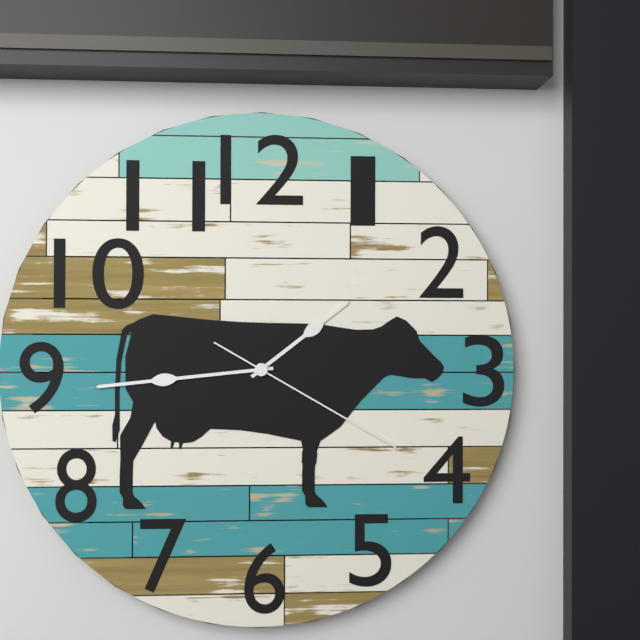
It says 1:44:20
